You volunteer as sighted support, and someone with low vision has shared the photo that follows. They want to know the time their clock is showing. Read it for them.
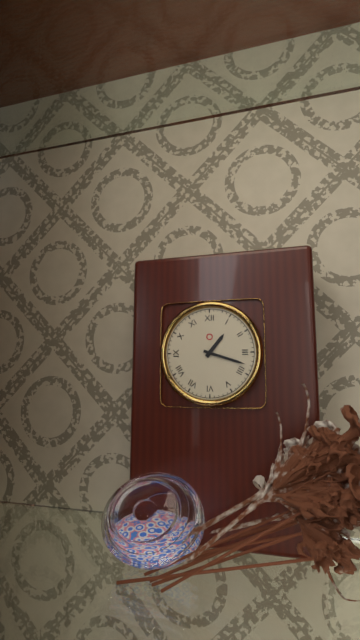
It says 1:18
